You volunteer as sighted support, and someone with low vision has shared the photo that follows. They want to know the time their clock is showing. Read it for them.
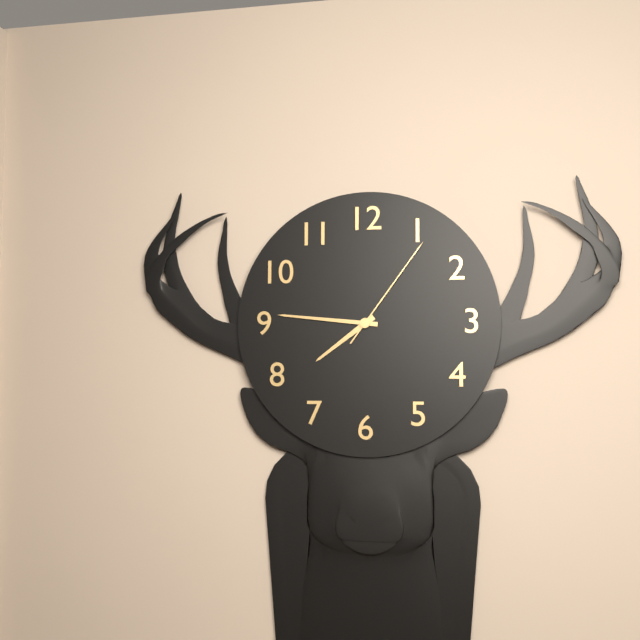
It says 7:46:06
